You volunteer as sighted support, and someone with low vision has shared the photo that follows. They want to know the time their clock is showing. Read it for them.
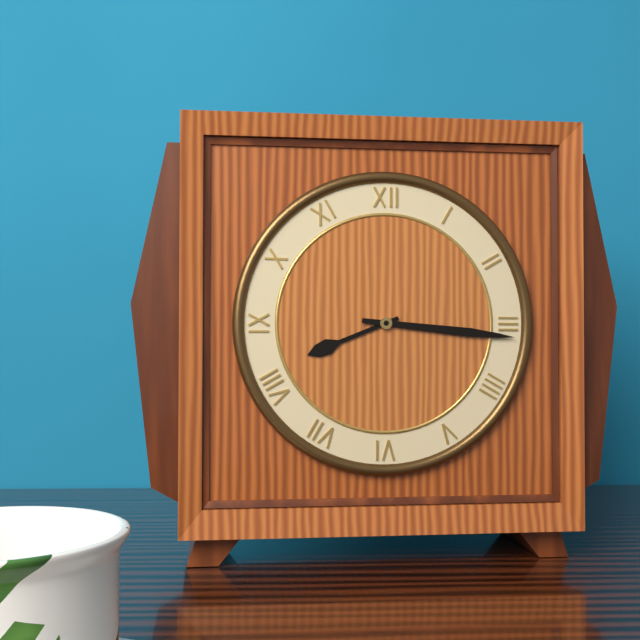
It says 8:16
